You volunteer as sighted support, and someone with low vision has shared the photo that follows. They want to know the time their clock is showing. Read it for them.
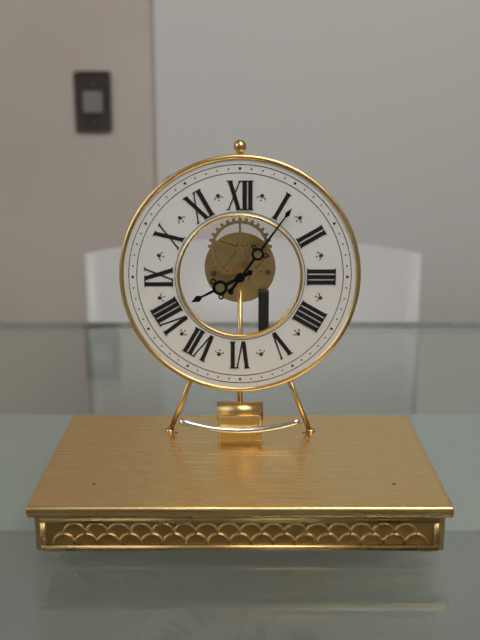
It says 8:06
